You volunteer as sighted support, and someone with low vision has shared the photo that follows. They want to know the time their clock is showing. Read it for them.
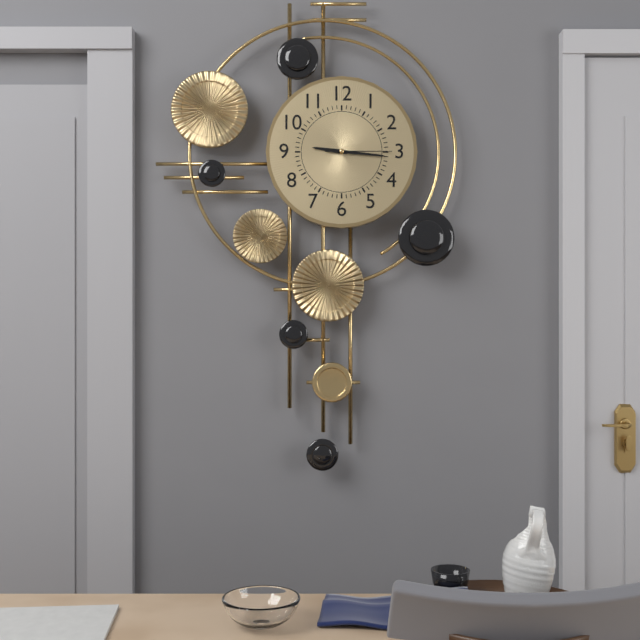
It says 9:16:15
